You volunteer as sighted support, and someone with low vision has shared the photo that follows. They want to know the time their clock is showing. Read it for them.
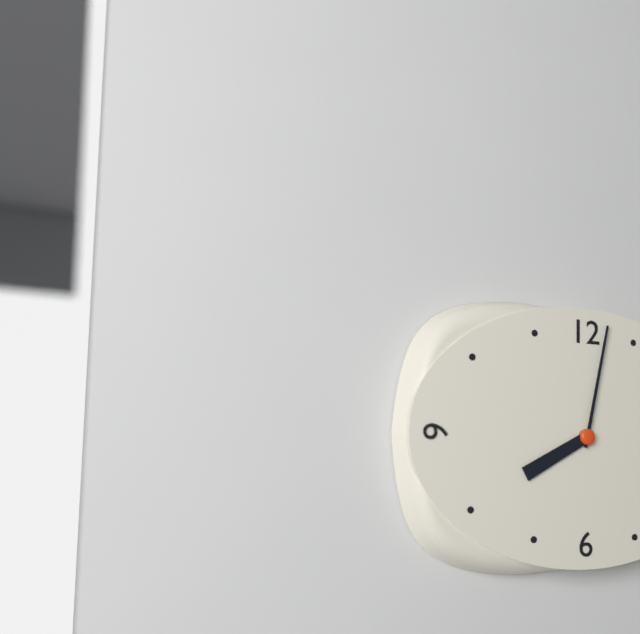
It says 8:02
